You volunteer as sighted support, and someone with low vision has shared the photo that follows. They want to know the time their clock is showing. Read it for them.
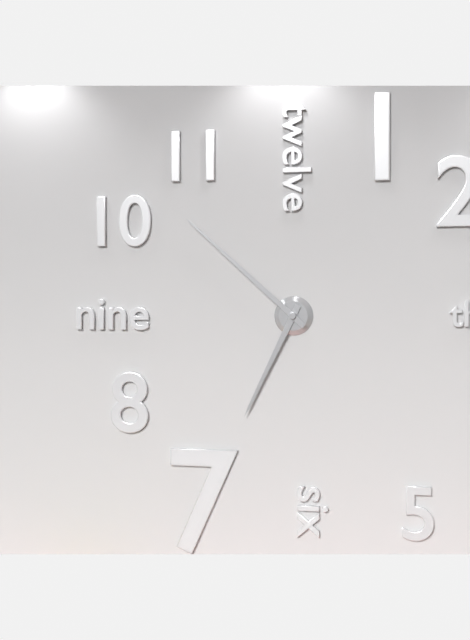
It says 6:52
